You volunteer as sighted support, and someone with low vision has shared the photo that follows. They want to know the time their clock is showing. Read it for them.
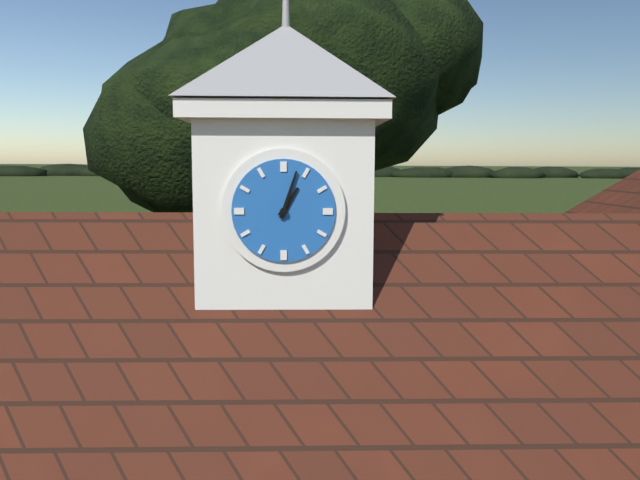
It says 1:03
